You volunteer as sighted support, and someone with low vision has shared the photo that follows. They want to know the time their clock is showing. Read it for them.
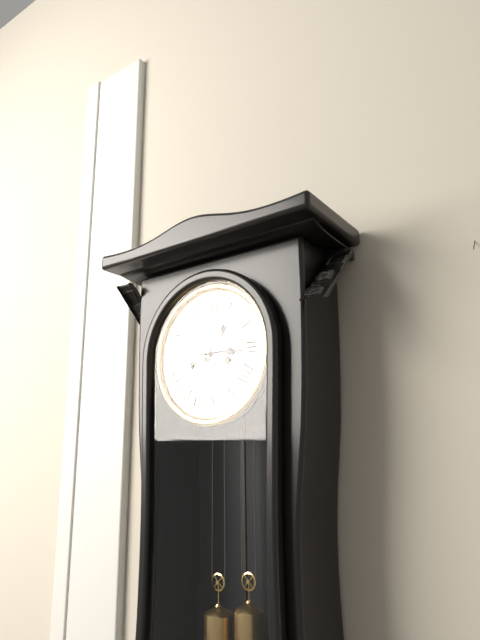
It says 3:06
